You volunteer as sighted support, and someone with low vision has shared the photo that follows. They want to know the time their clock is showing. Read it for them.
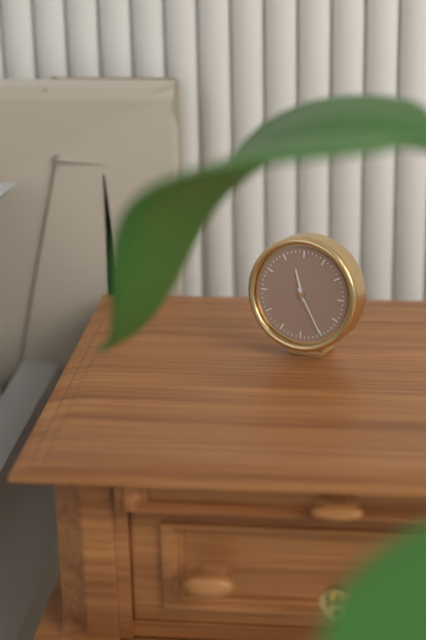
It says 11:25
